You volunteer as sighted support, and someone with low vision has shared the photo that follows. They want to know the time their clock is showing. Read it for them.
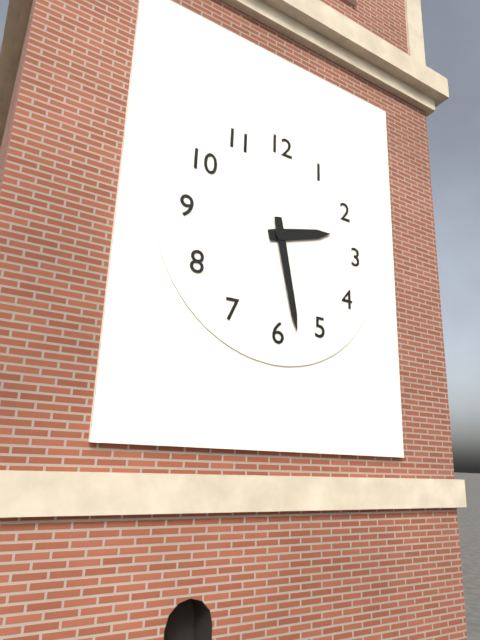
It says 2:28
